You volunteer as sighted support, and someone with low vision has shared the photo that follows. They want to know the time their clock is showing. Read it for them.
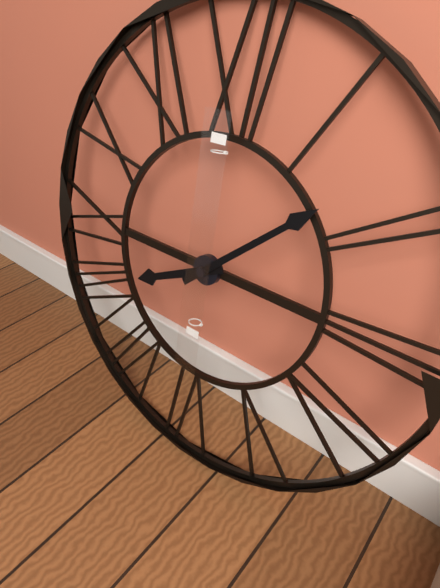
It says 8:08
